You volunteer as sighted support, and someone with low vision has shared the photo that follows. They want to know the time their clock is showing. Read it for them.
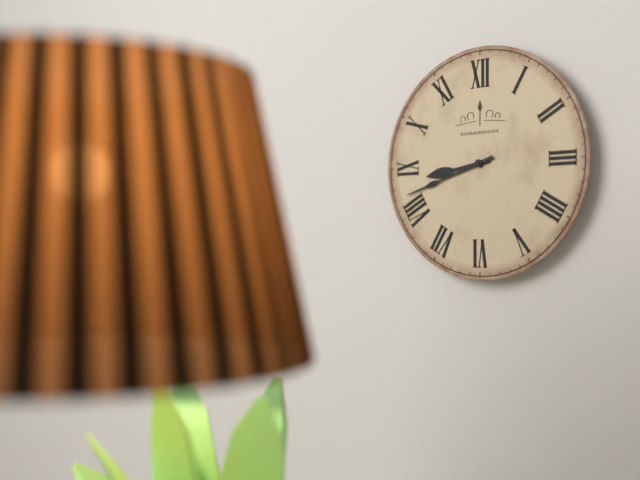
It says 8:42
